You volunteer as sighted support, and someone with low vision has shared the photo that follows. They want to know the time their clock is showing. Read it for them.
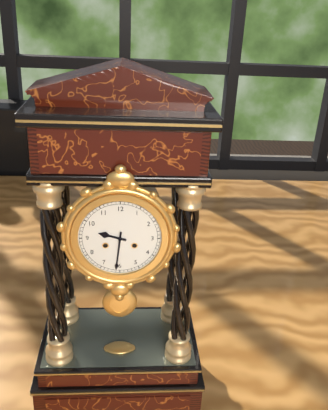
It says 9:31
